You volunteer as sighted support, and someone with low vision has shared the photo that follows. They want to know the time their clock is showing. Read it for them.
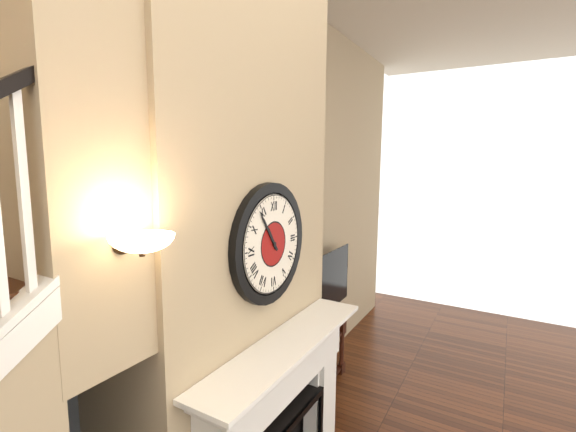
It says 10:54
